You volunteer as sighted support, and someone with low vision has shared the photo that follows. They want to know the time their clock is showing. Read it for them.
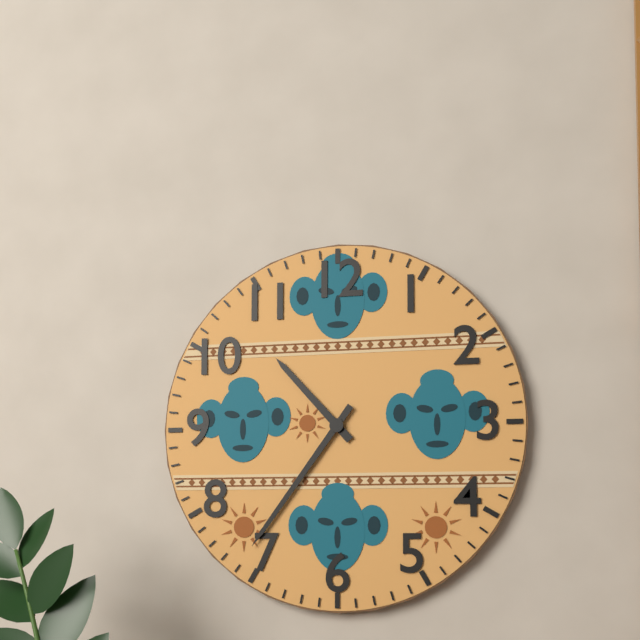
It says 10:36
